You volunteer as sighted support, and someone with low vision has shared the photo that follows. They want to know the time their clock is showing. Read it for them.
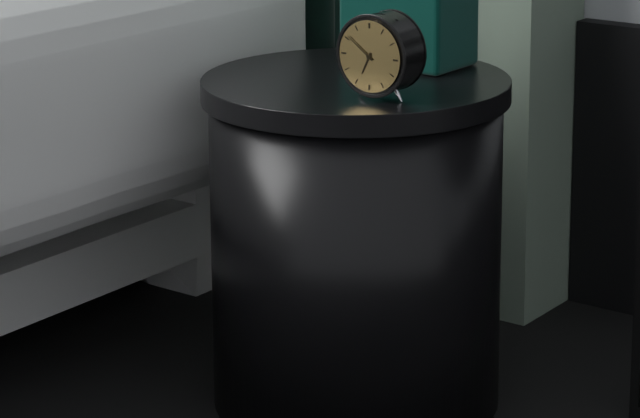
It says 6:51
